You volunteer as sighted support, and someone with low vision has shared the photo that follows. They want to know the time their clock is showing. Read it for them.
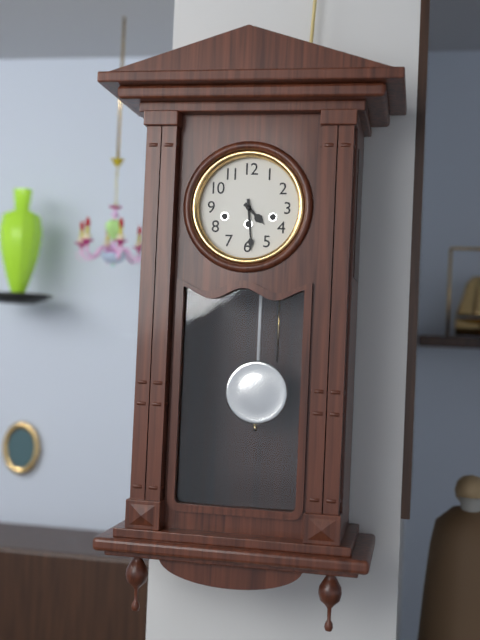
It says 4:29
